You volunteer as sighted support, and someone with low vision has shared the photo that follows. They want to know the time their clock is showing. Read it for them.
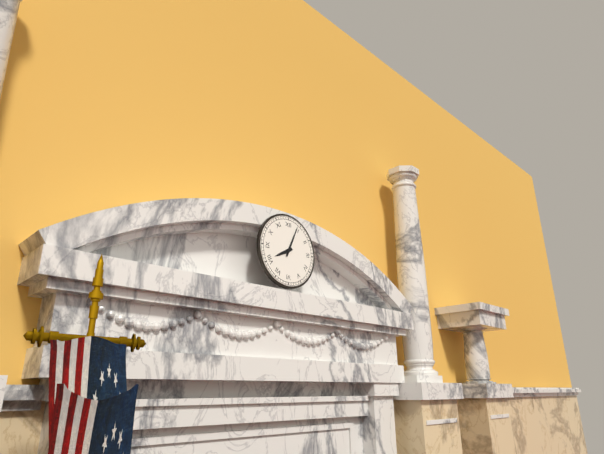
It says 8:04
